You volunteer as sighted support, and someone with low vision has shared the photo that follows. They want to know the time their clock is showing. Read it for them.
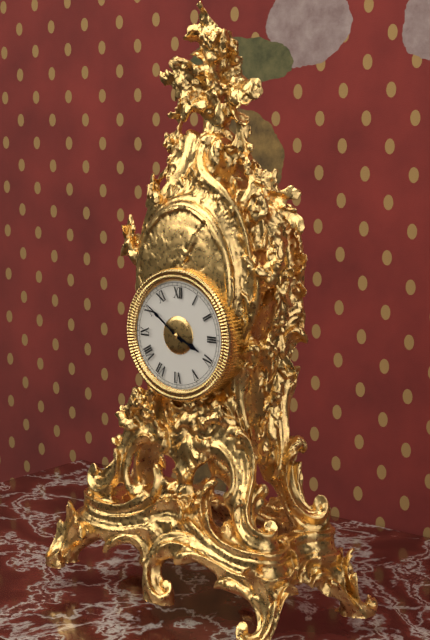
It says 3:51
